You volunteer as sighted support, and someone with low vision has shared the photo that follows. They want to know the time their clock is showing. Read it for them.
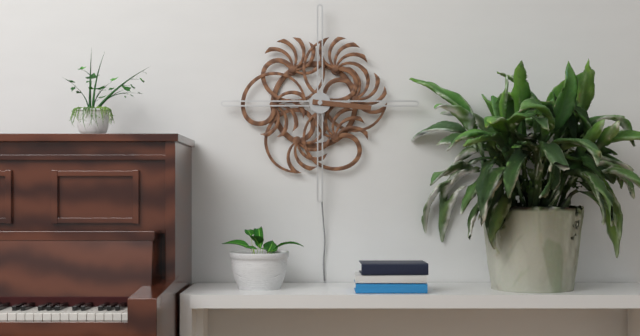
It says 3:16
